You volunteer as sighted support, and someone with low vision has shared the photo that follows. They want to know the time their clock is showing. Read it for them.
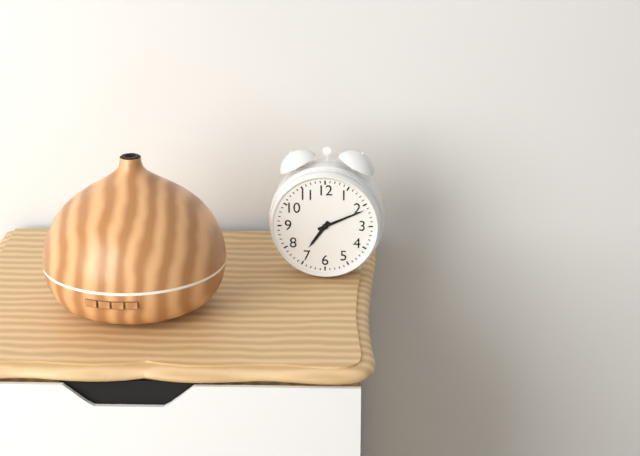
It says 7:11
